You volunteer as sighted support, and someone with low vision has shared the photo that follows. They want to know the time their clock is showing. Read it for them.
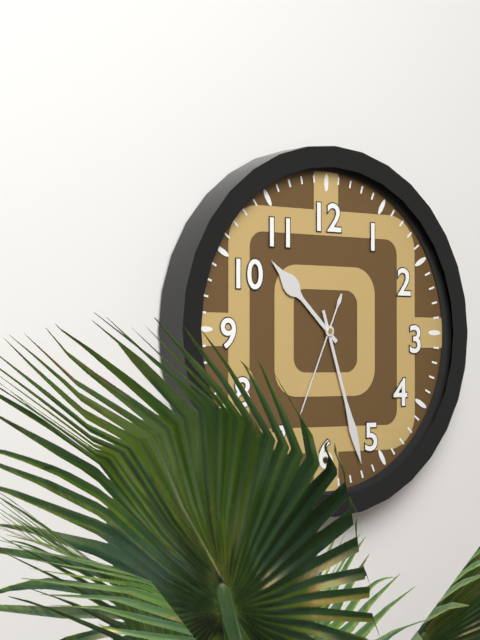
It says 10:27:34
